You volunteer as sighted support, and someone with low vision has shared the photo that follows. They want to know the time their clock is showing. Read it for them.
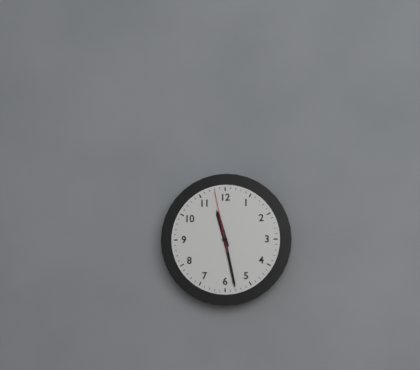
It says 11:28:58
